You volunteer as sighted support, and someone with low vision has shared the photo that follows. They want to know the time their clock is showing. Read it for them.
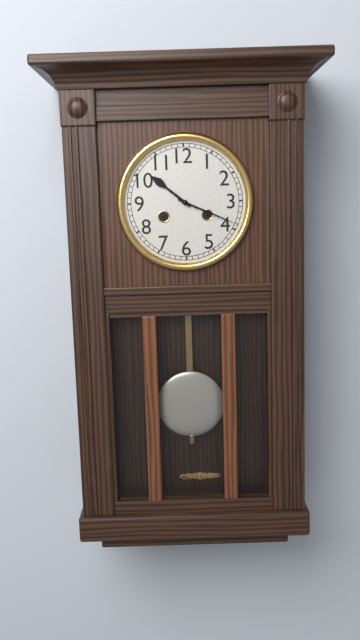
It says 10:19
